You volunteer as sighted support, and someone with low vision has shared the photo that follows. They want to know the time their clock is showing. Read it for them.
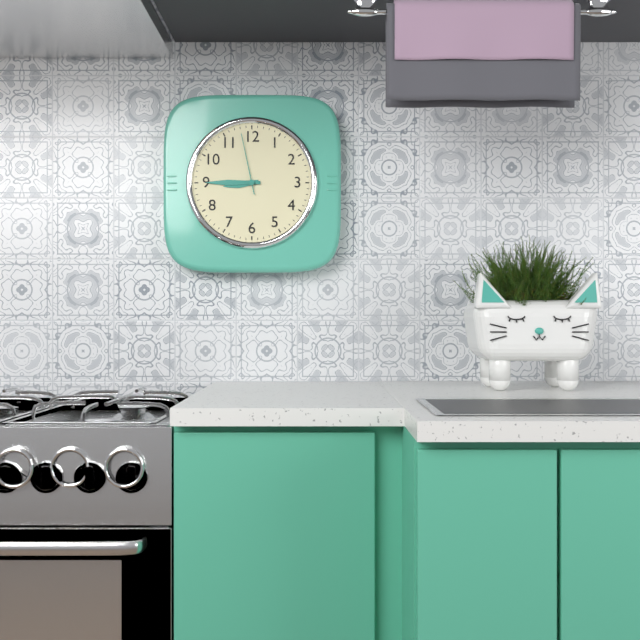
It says 8:45:58
